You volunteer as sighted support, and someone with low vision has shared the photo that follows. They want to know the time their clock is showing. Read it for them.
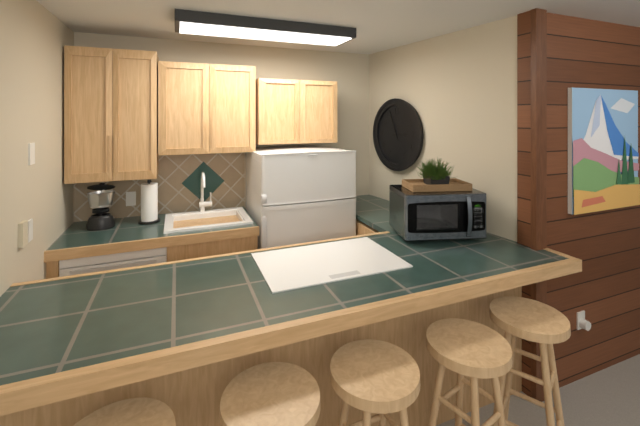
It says 2:56
